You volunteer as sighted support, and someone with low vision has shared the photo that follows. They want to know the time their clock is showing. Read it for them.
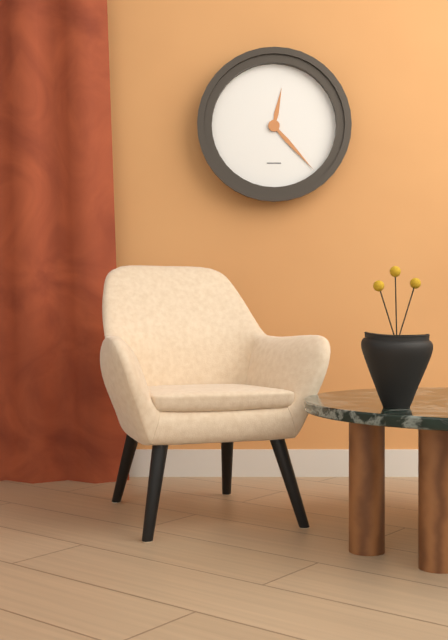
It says 12:23
